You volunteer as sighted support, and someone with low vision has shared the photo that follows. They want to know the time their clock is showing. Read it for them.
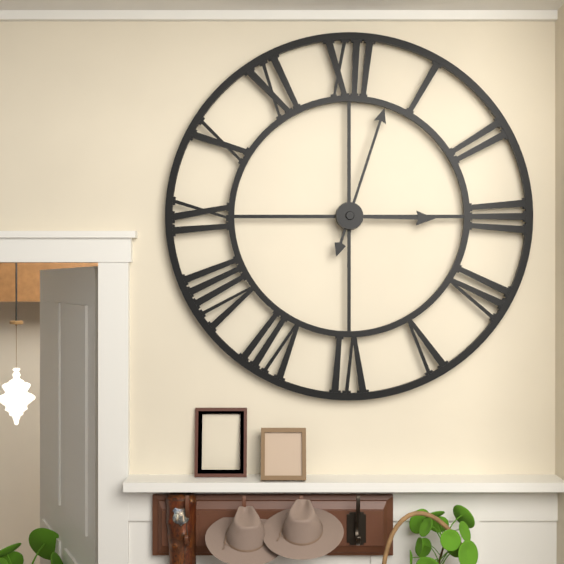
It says 3:03
